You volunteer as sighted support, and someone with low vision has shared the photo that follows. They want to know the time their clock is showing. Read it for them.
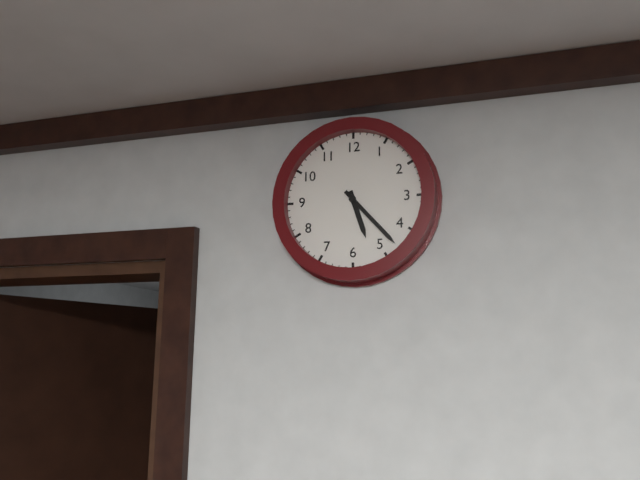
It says 5:23
